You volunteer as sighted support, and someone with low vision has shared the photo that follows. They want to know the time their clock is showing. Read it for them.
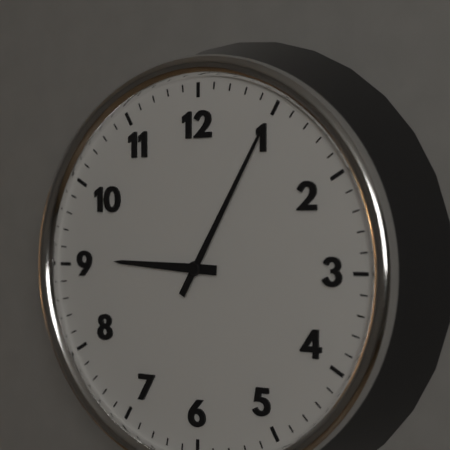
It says 9:05
